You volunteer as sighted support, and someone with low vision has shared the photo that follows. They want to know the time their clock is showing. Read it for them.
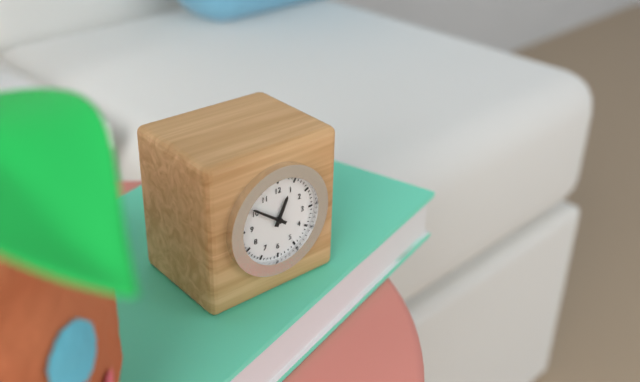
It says 12:51
